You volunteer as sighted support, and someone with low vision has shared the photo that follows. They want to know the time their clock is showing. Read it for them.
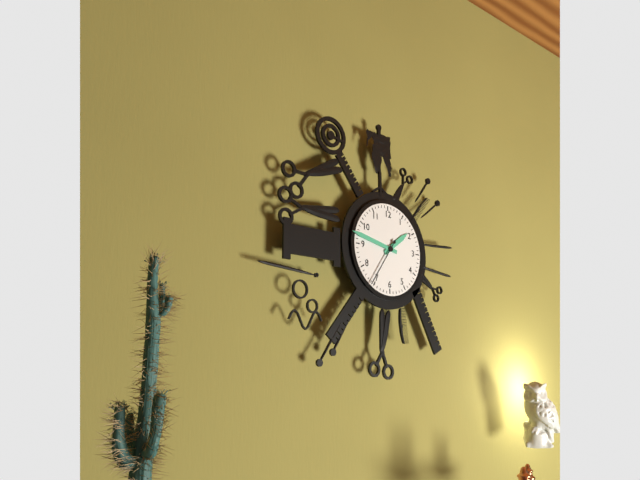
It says 1:47
